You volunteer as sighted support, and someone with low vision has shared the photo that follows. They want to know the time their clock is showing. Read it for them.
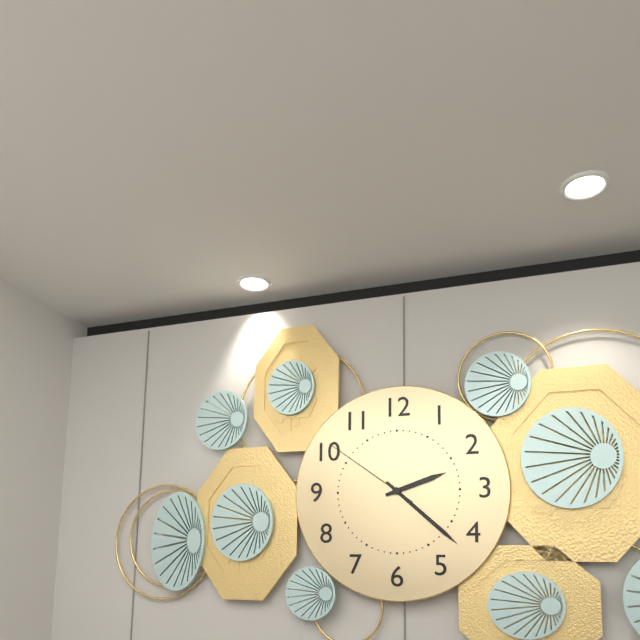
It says 2:22:51
